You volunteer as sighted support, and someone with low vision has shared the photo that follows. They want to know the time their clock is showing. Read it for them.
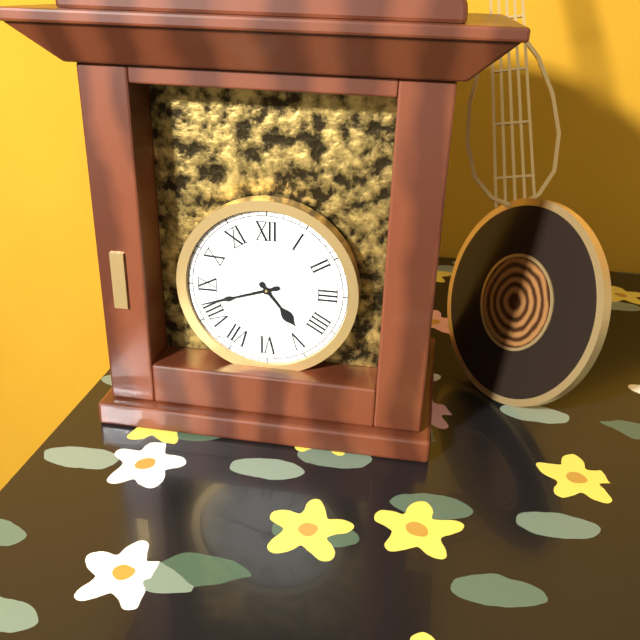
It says 4:42
